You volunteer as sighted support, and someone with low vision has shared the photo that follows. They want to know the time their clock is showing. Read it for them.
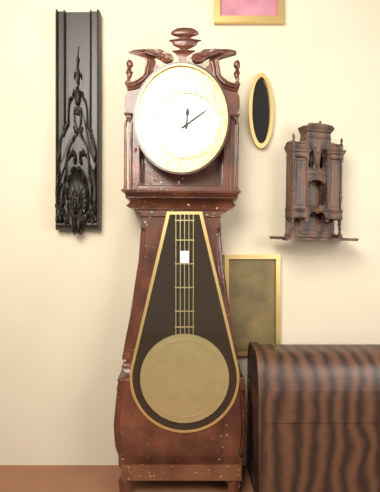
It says 12:09
